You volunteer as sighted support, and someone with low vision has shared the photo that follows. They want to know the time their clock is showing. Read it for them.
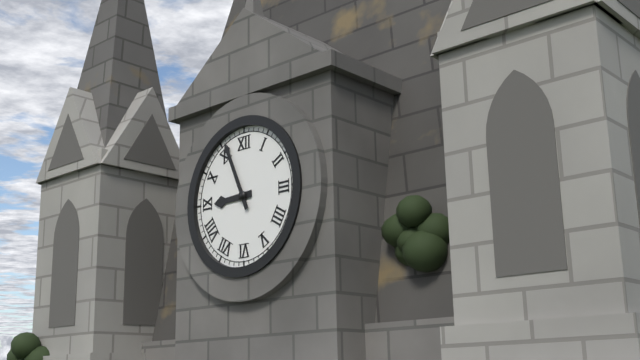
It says 8:56
